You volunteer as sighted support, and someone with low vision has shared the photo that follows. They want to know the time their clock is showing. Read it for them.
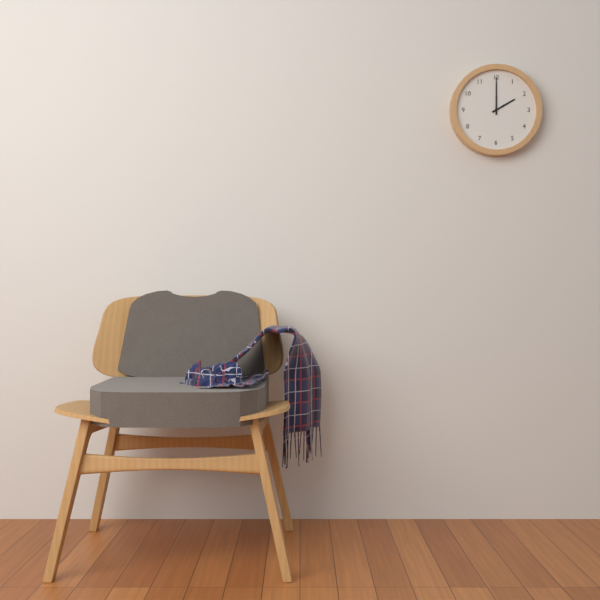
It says 2:00
